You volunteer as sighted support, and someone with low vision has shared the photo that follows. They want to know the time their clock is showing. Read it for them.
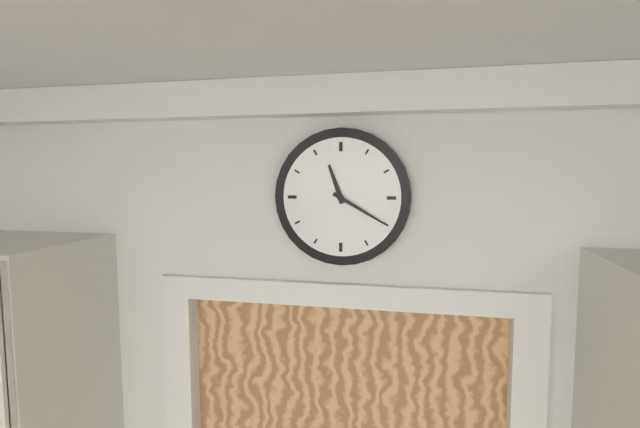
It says 11:20
